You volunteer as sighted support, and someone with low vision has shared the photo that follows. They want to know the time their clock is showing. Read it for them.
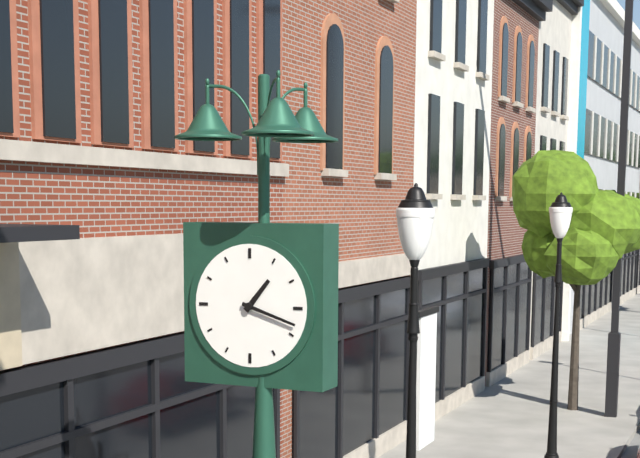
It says 1:18
